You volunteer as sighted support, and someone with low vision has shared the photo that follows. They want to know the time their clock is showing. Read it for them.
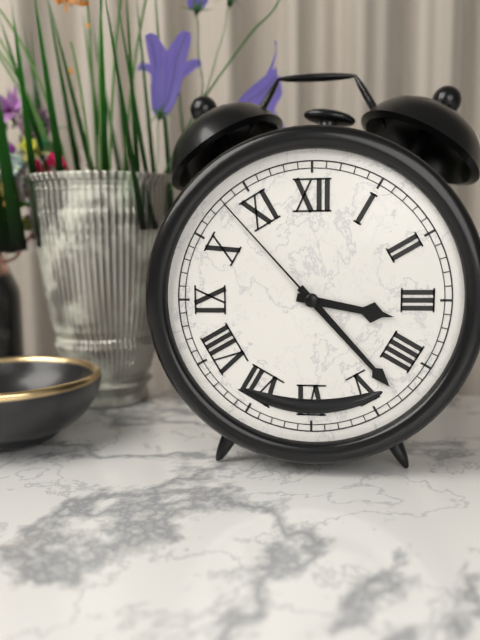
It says 3:23:53
